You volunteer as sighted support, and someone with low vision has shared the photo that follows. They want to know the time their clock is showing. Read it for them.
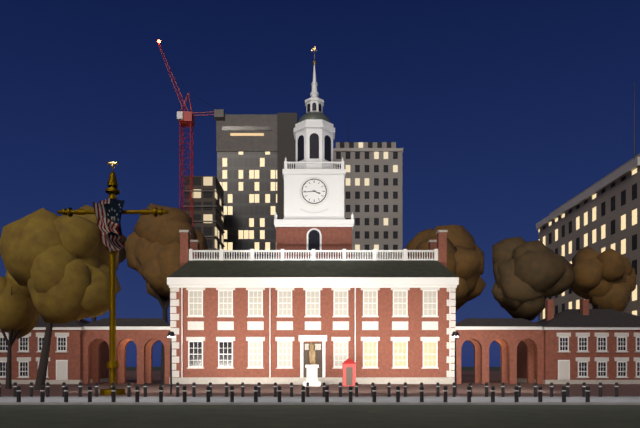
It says 3:44
